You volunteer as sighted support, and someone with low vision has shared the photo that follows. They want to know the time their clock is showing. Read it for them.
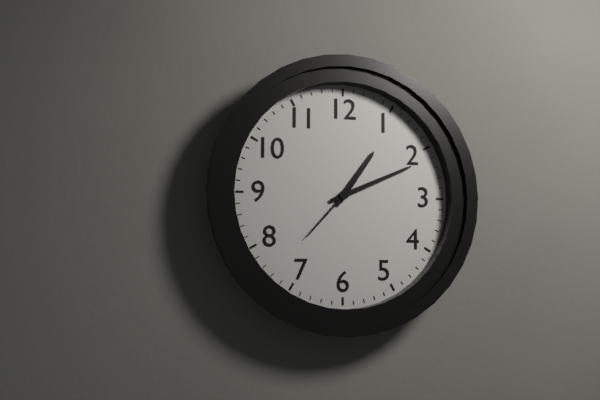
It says 1:11:37
